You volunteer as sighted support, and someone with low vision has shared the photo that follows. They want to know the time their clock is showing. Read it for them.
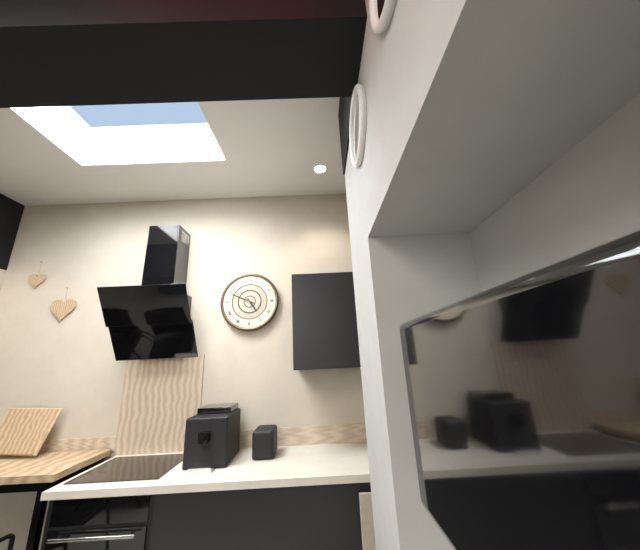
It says 4:49
